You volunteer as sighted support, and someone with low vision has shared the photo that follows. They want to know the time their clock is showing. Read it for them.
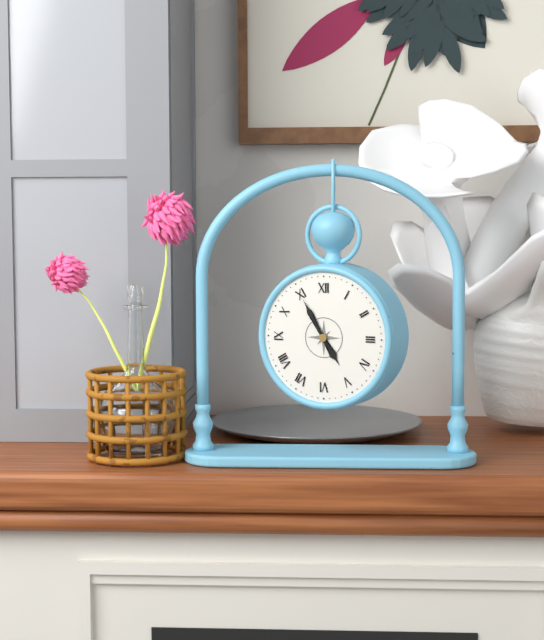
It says 4:55
